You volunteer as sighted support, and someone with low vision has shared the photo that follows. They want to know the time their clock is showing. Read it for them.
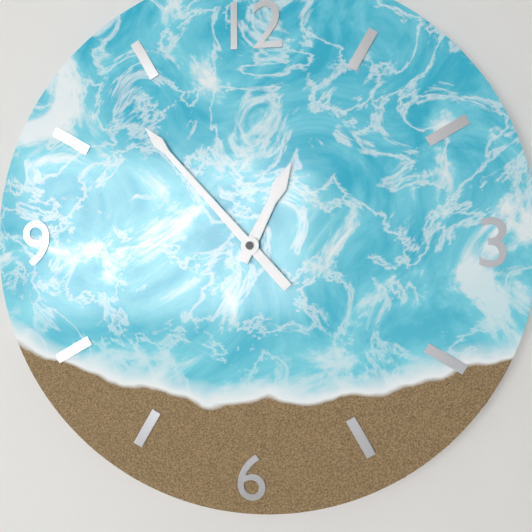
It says 12:53
